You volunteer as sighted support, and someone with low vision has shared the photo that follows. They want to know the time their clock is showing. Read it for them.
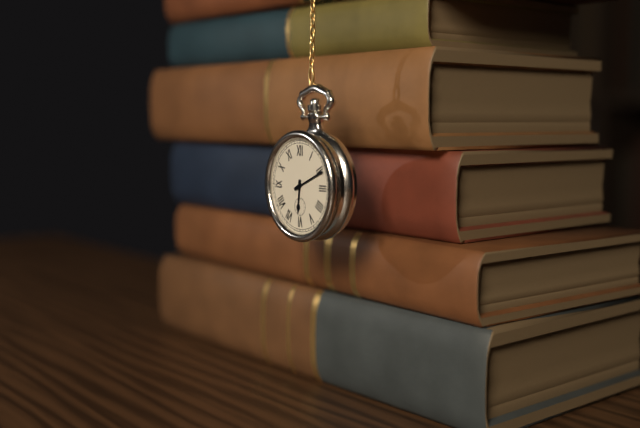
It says 6:11
